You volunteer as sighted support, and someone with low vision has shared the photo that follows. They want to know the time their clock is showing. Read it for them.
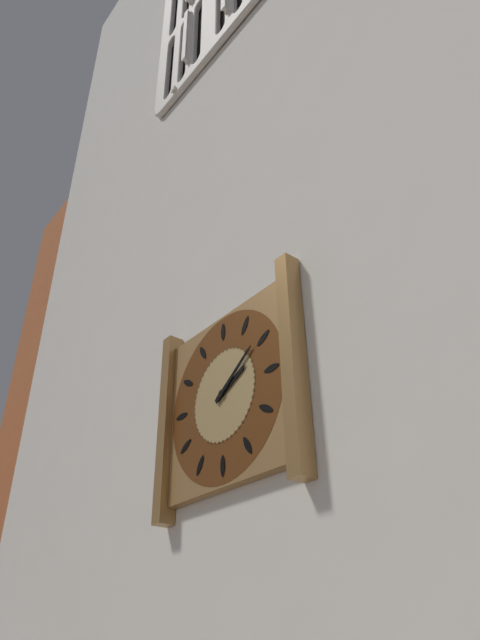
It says 2:09
